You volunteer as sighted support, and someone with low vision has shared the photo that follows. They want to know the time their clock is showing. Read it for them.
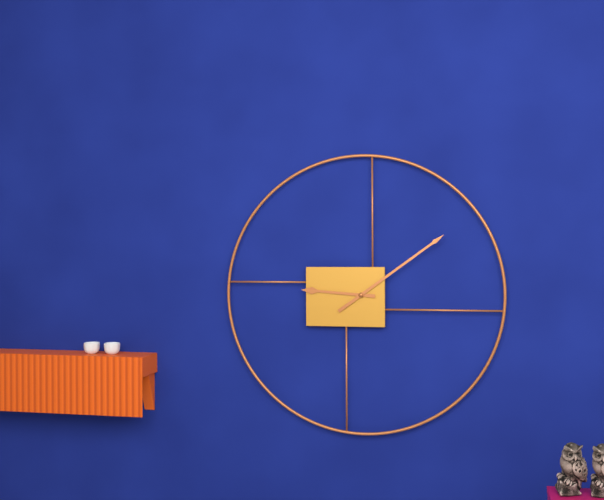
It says 9:09
